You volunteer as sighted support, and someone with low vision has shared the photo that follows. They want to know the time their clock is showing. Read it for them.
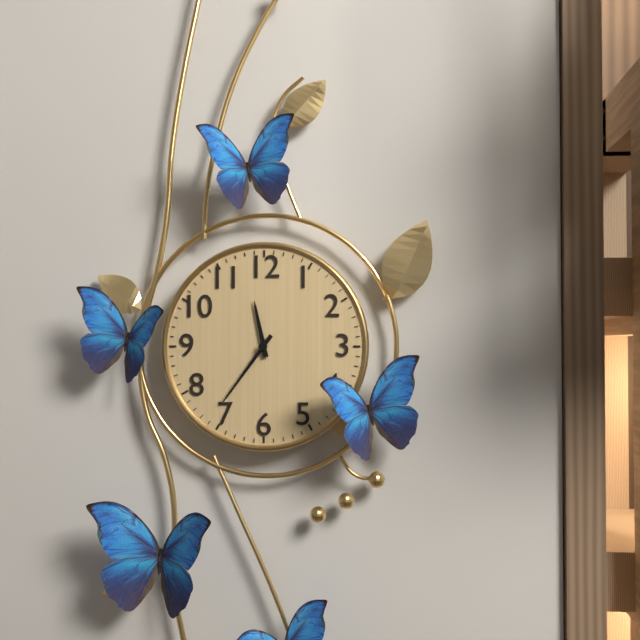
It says 11:36
